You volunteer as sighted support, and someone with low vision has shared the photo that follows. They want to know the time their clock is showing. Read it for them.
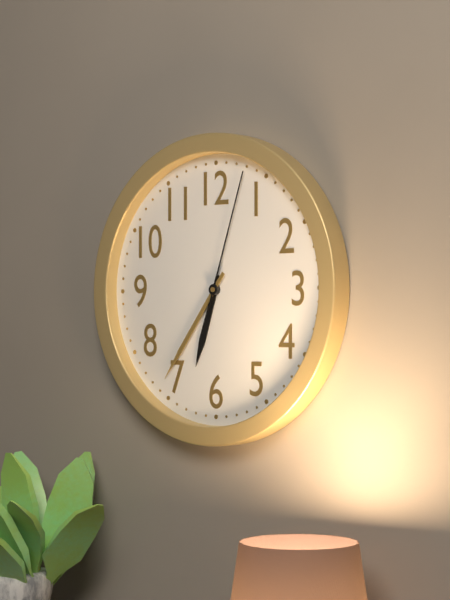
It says 6:36:03
